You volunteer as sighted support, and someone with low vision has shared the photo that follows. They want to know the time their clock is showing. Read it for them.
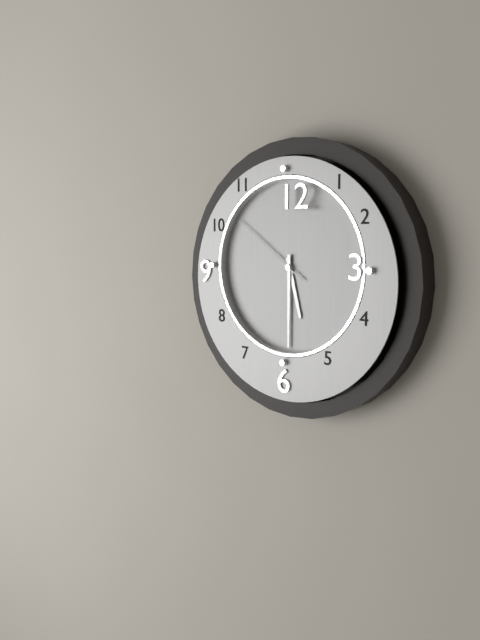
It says 5:30:51
